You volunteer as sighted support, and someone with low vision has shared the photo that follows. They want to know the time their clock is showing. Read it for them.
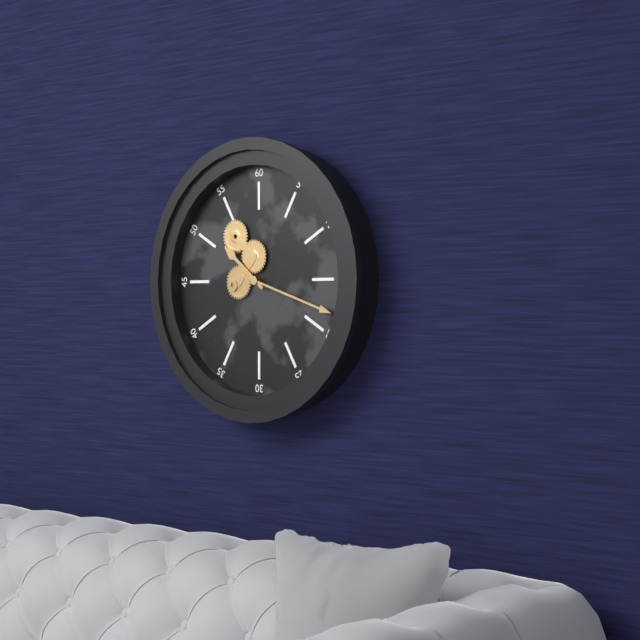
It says 10:18
